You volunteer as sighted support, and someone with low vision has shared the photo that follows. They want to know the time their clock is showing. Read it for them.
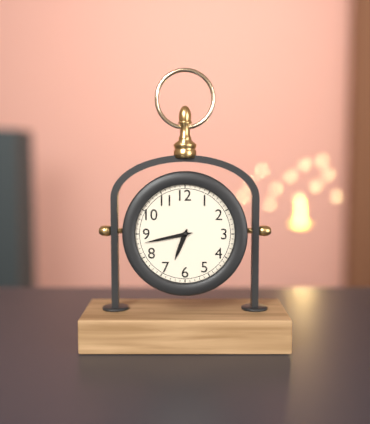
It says 6:43
